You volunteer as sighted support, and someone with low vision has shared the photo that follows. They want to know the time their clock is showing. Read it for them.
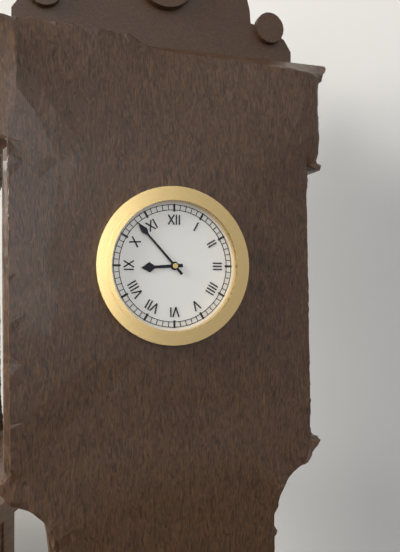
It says 8:53
